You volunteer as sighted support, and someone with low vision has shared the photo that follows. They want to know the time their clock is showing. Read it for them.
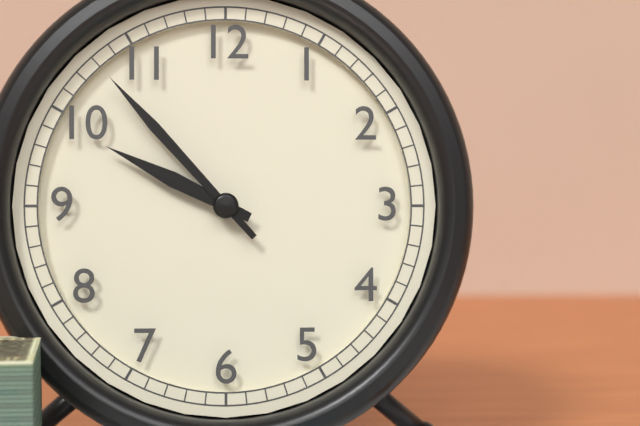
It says 9:53
